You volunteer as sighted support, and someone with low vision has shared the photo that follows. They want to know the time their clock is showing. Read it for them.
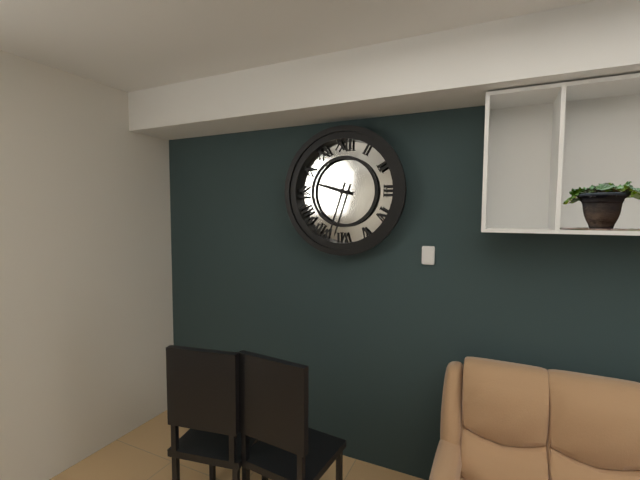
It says 9:33
